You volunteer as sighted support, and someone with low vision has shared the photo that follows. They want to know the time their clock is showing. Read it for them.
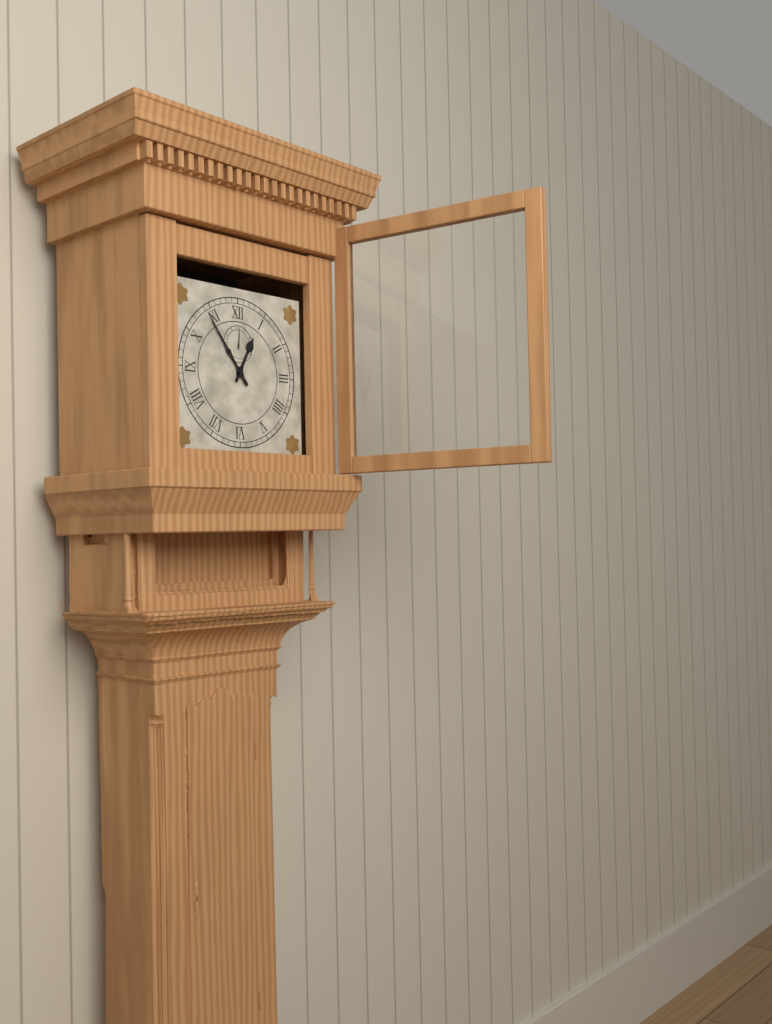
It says 12:54
